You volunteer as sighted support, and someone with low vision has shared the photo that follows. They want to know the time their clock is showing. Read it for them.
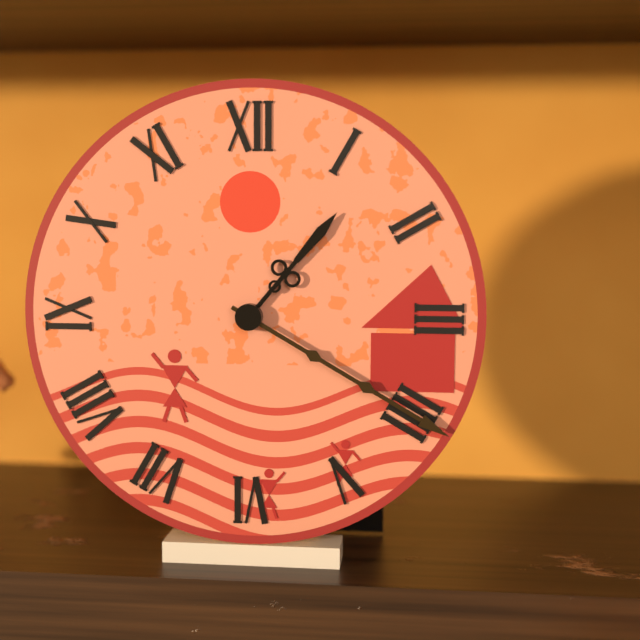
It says 1:20
